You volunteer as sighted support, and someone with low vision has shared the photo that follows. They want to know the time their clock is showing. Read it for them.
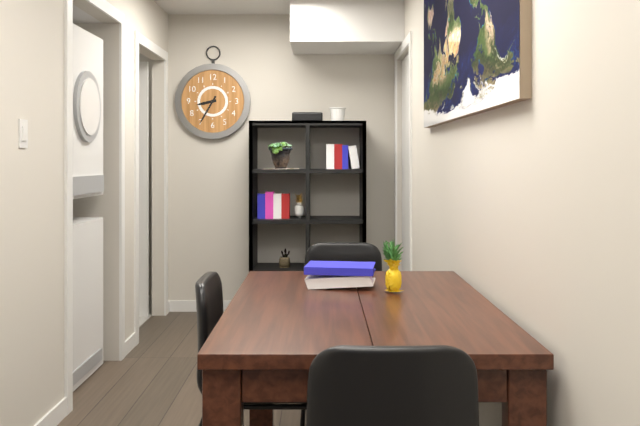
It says 8:35
